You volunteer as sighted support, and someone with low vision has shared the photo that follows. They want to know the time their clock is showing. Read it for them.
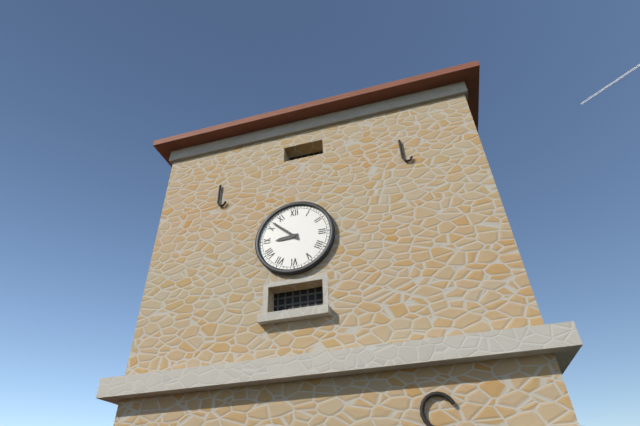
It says 8:52
